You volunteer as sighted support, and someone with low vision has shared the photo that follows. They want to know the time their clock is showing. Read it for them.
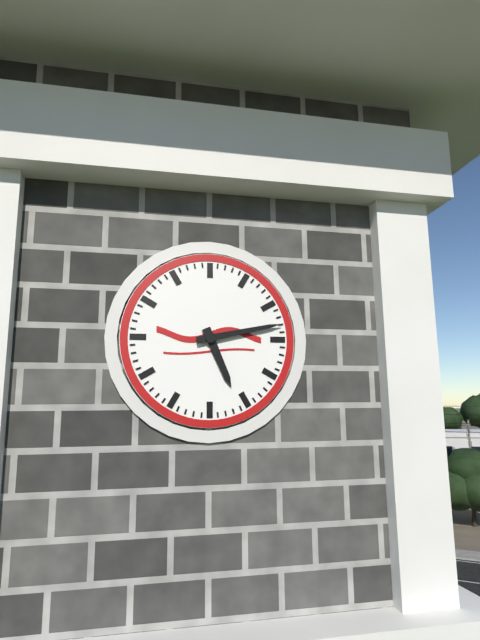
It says 5:13
